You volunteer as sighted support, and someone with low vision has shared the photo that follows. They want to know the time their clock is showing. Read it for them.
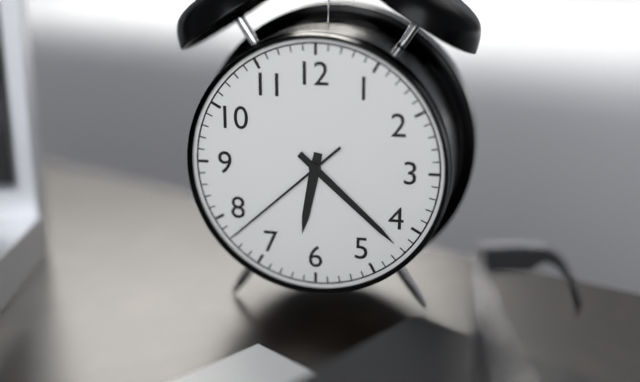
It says 6:22:38
